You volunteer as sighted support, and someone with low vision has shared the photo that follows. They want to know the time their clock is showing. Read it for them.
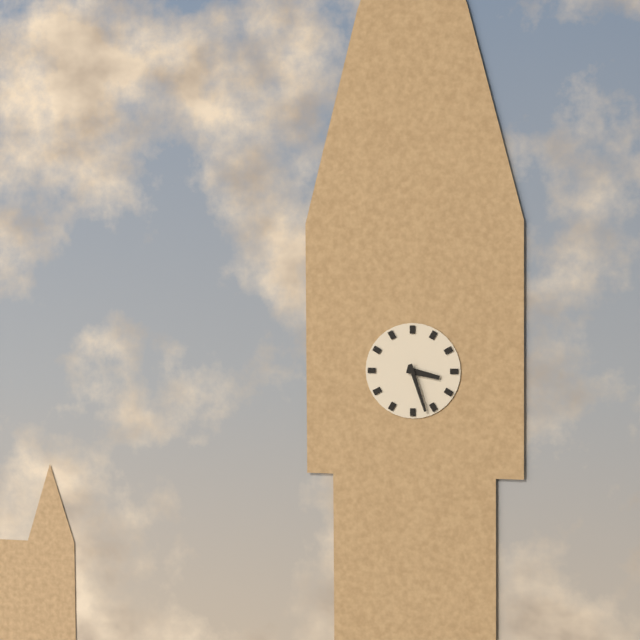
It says 3:27
